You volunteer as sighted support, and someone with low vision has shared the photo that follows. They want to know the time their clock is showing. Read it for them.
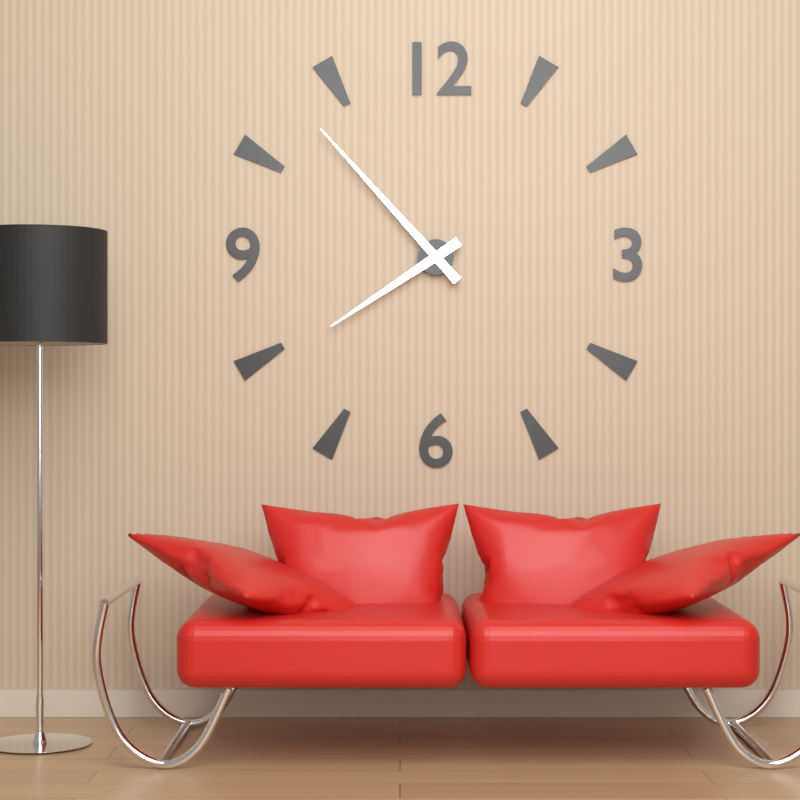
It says 7:53
